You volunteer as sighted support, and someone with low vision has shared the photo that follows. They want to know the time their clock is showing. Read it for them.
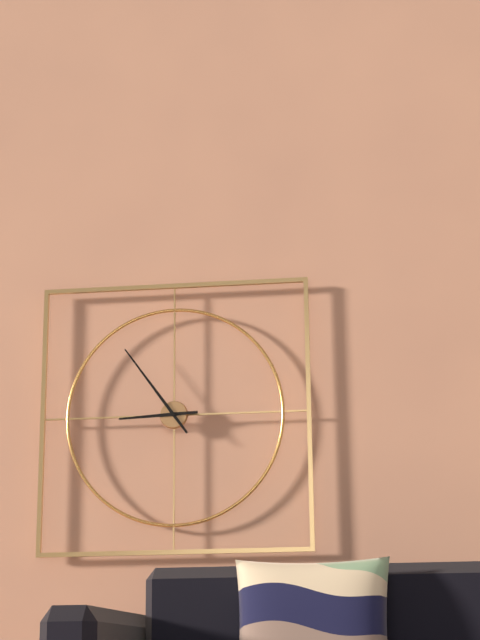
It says 8:54
